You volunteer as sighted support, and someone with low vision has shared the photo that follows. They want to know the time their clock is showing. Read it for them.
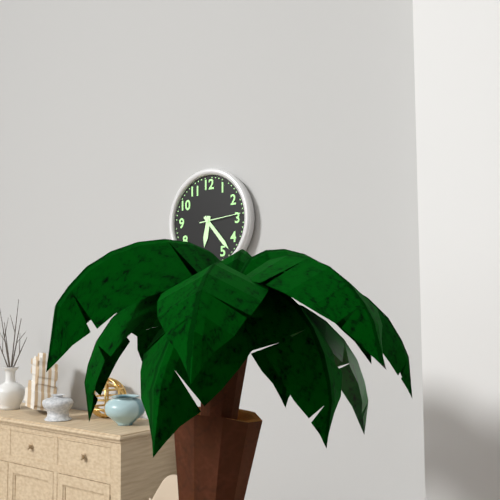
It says 6:23
